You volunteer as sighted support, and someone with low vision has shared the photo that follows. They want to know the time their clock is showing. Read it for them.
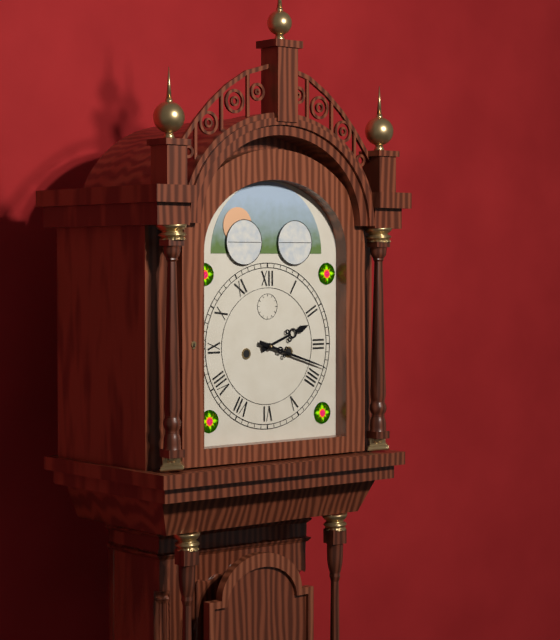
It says 2:18
